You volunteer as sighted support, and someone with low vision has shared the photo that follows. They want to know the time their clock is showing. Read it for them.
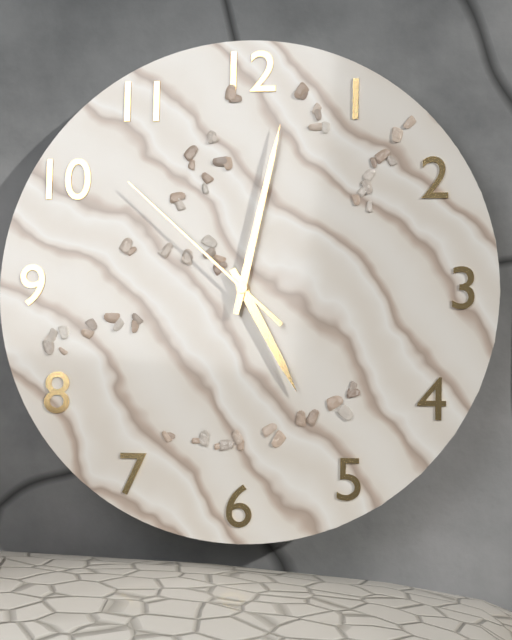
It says 5:02:52
